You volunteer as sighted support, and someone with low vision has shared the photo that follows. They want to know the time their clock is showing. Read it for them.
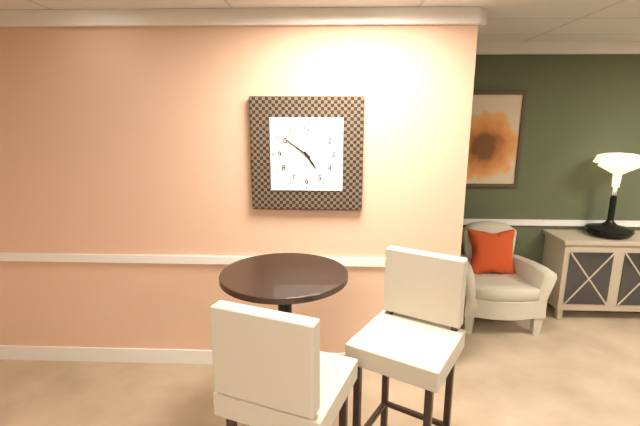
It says 4:51
